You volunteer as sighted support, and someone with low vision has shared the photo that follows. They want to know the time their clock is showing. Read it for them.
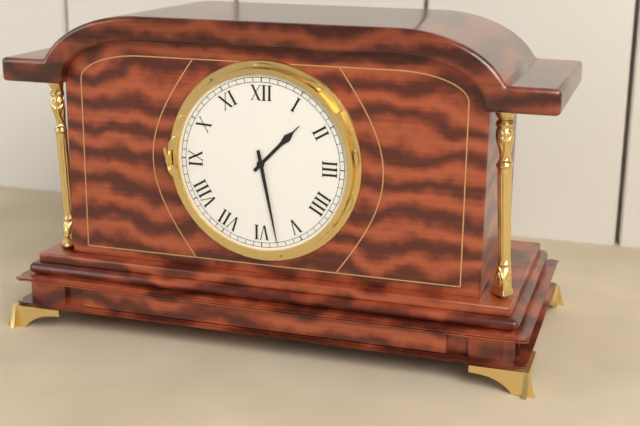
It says 1:28
